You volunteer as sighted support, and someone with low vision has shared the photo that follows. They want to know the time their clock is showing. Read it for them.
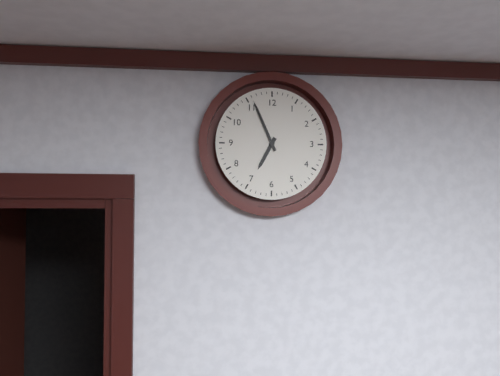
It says 6:56
